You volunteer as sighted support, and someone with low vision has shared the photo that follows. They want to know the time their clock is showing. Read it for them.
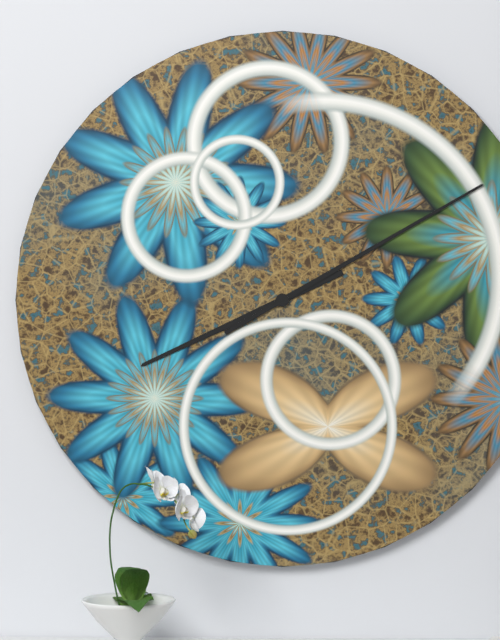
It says 8:10
